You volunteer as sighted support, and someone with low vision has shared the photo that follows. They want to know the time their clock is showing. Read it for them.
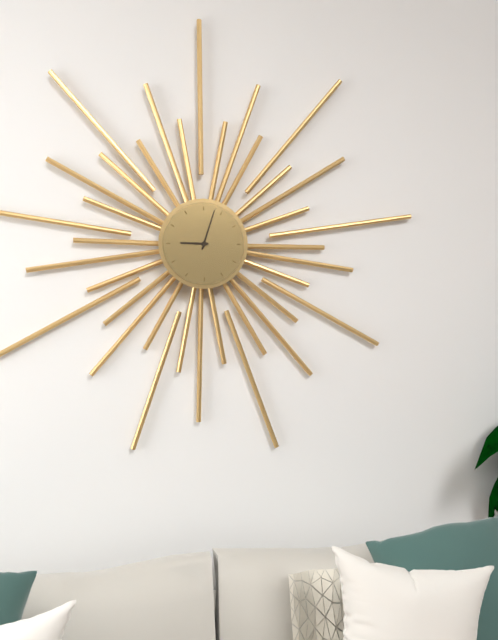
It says 9:03
